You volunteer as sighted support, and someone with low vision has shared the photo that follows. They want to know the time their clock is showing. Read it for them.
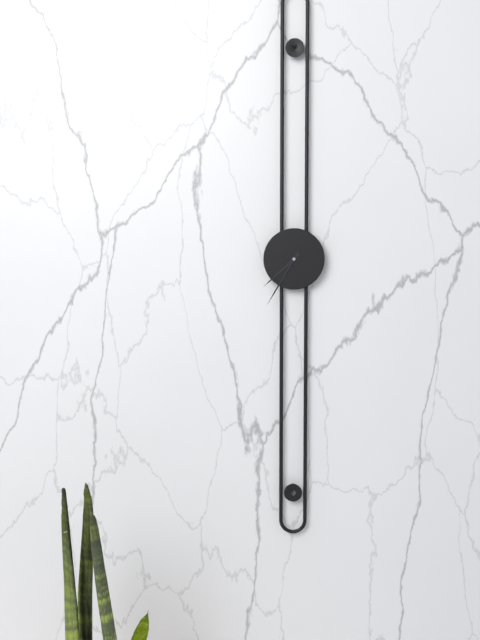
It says 7:35
